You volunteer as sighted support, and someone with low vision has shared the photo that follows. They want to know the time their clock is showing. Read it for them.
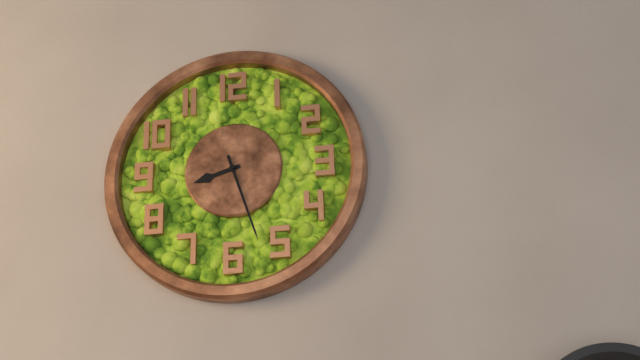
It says 8:27
